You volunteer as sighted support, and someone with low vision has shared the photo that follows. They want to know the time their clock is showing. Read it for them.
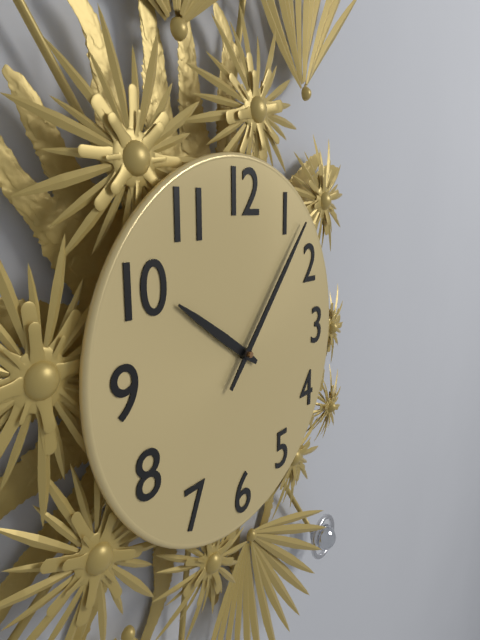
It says 10:07
